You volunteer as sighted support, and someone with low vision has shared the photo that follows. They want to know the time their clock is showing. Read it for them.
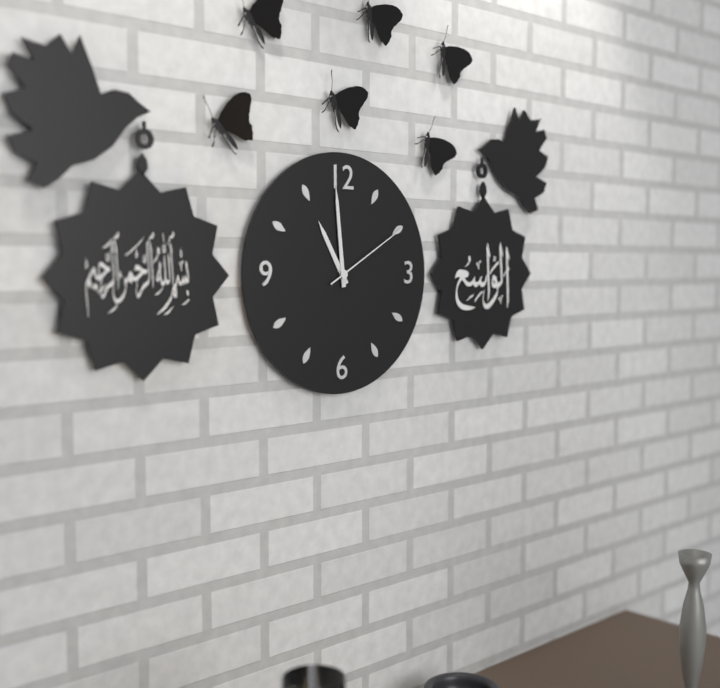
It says 10:59:10
